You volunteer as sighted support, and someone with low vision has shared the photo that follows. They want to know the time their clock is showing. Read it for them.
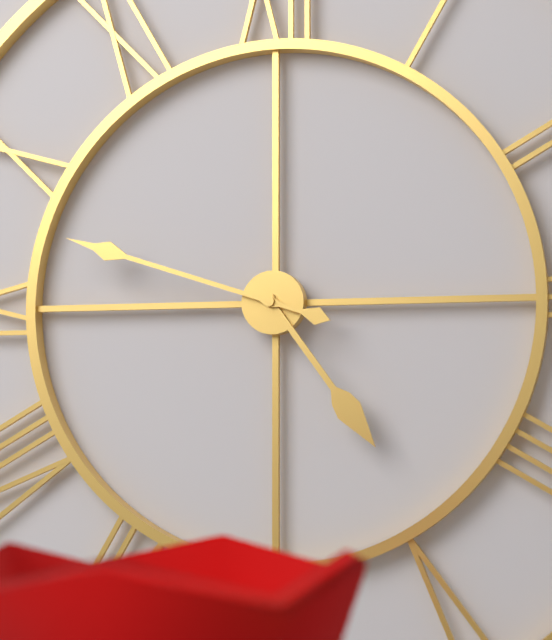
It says 4:48
